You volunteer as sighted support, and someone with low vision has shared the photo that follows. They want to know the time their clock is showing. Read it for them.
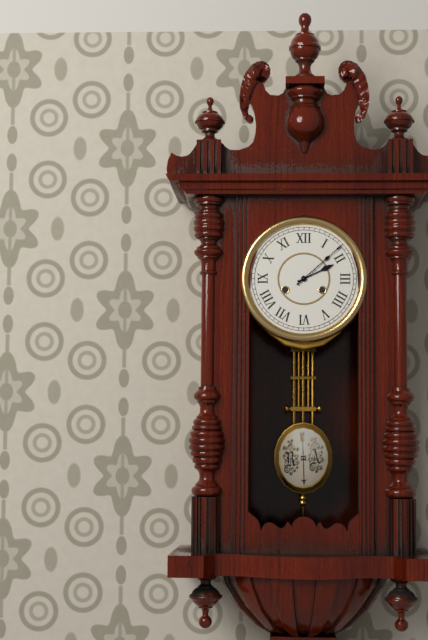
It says 2:08
